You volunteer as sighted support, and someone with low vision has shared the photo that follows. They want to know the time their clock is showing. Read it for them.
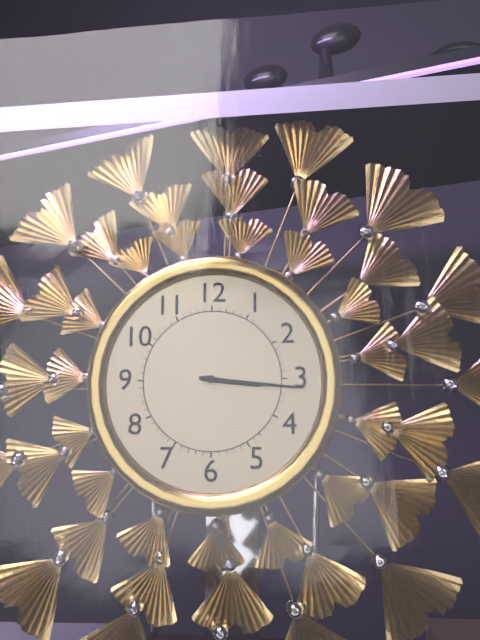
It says 3:16
